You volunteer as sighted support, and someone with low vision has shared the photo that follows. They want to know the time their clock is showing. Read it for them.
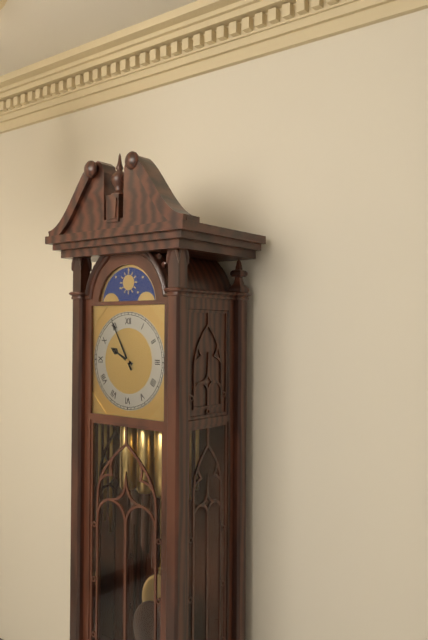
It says 9:55
